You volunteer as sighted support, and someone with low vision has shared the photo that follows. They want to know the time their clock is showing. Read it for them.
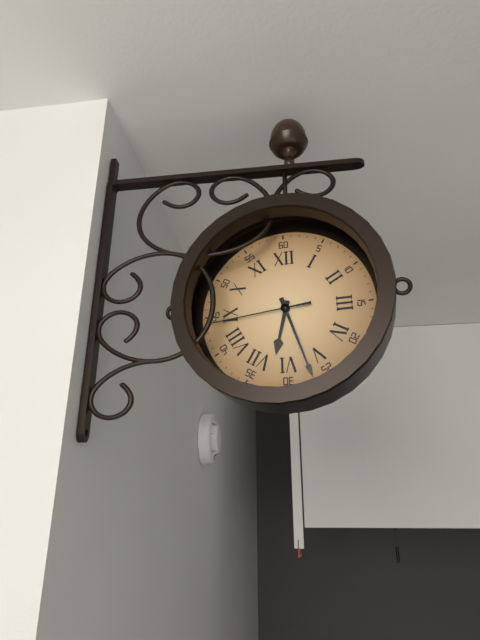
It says 6:27:44
